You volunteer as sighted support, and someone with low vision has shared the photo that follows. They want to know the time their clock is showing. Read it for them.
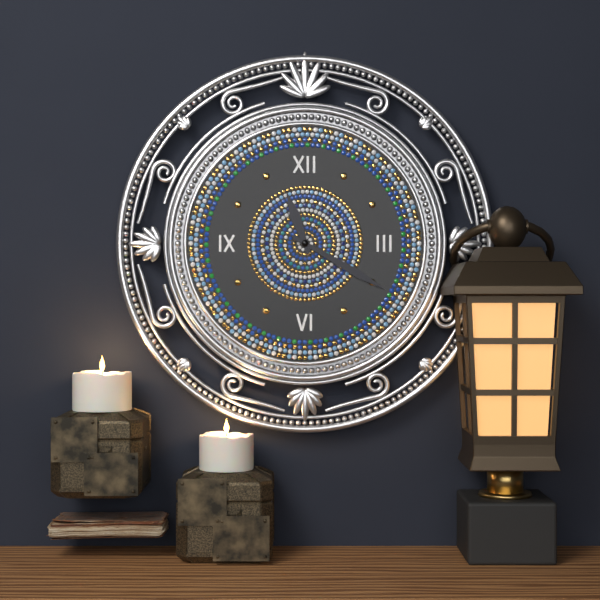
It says 11:20
